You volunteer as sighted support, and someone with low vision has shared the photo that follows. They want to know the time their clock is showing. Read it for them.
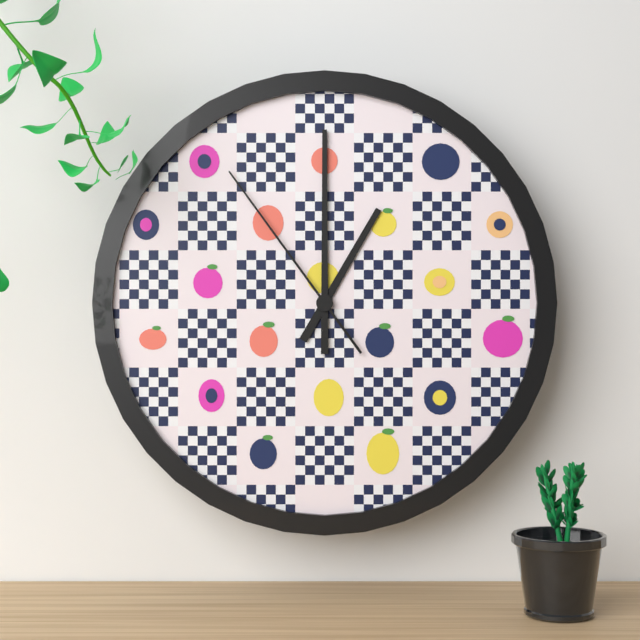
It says 1:00:54
